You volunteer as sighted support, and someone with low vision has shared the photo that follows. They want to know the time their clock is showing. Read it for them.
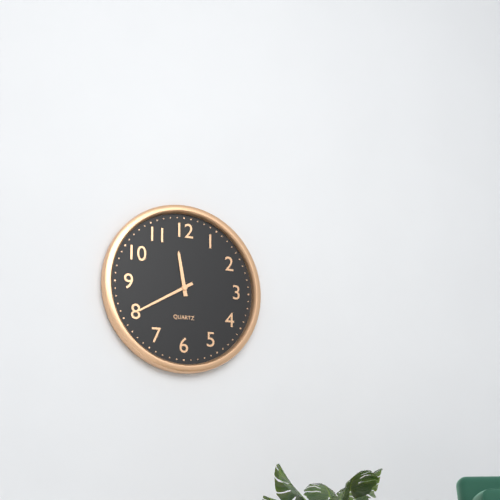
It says 11:40
